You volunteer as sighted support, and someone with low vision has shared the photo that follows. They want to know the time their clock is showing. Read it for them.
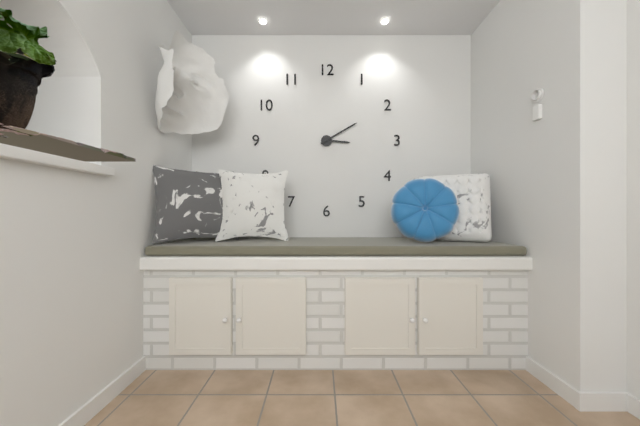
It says 3:10
